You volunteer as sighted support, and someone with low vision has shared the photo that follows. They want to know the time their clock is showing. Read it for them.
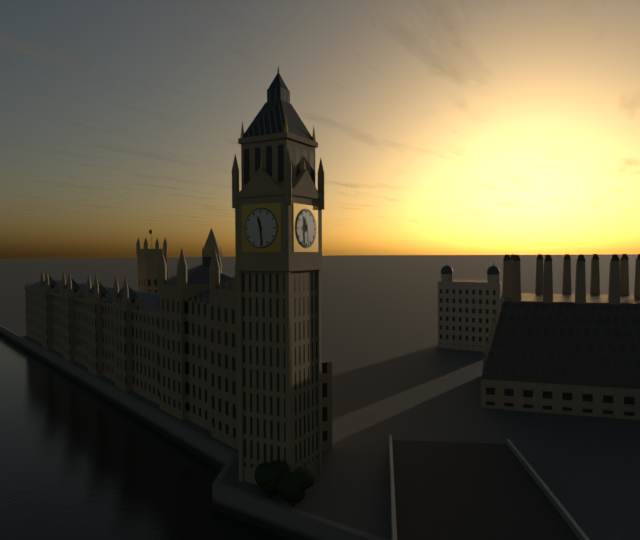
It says 11:29
